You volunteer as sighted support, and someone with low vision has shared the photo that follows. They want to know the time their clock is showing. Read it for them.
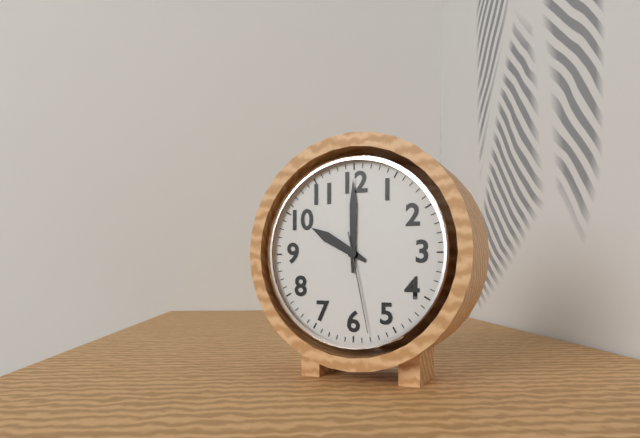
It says 10:00:28
